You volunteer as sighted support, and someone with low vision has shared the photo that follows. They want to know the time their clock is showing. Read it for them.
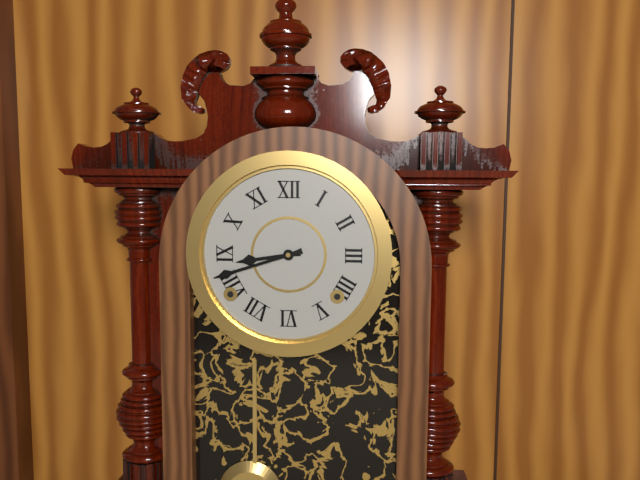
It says 8:42
